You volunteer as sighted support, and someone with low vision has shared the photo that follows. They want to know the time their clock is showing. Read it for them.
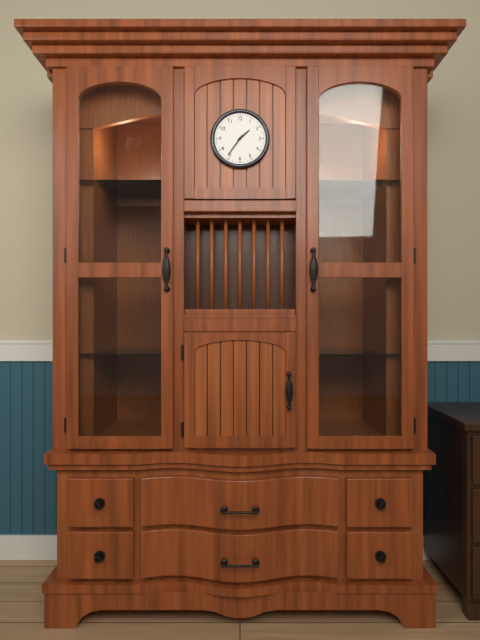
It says 1:36
